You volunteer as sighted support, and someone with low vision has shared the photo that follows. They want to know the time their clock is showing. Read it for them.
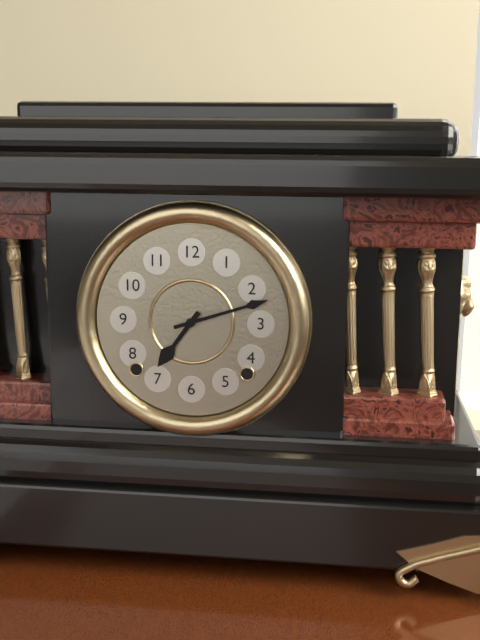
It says 7:12
